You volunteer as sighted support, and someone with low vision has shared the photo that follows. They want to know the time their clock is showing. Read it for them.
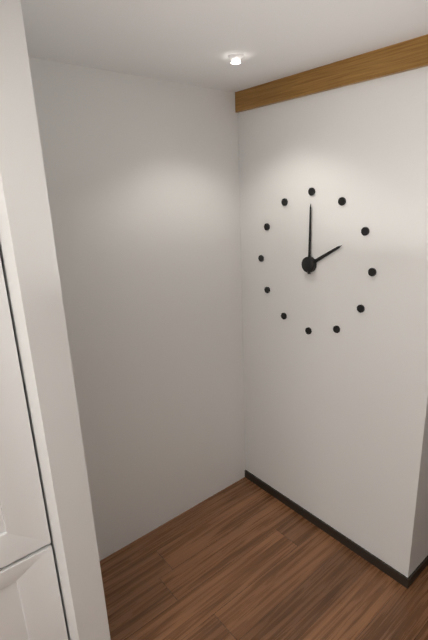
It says 2:00
